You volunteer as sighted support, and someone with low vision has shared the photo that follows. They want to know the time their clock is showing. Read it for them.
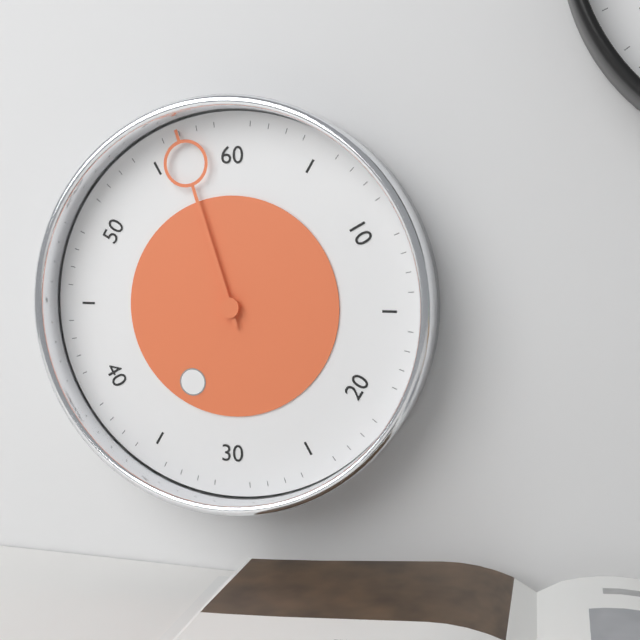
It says 6:57
